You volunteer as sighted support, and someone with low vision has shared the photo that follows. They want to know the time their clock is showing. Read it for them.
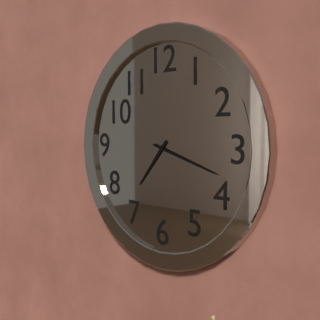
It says 7:18
